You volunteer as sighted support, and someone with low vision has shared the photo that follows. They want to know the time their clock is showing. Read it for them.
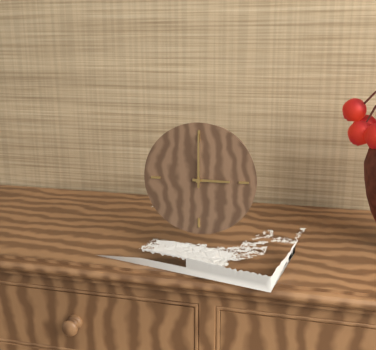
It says 3:00
